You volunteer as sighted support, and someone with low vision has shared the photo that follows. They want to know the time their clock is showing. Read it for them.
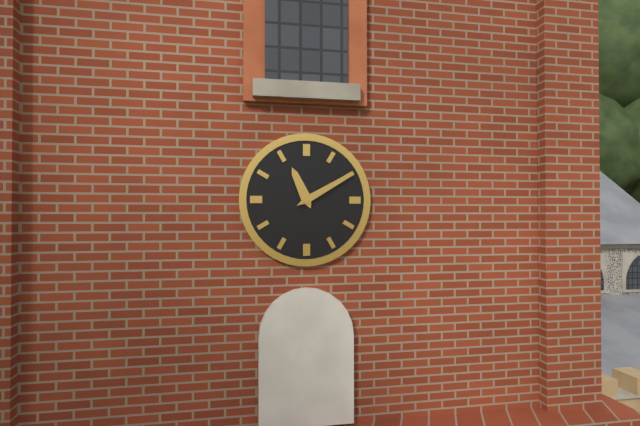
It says 11:10
